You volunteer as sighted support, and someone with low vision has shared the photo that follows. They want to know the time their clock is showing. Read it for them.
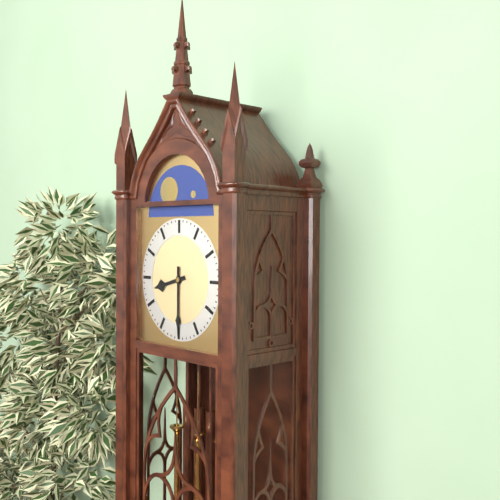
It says 8:30
